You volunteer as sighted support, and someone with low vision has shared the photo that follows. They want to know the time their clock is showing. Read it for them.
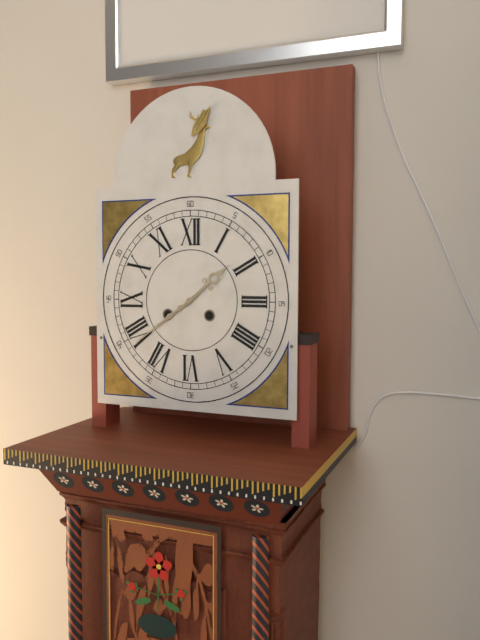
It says 1:39
